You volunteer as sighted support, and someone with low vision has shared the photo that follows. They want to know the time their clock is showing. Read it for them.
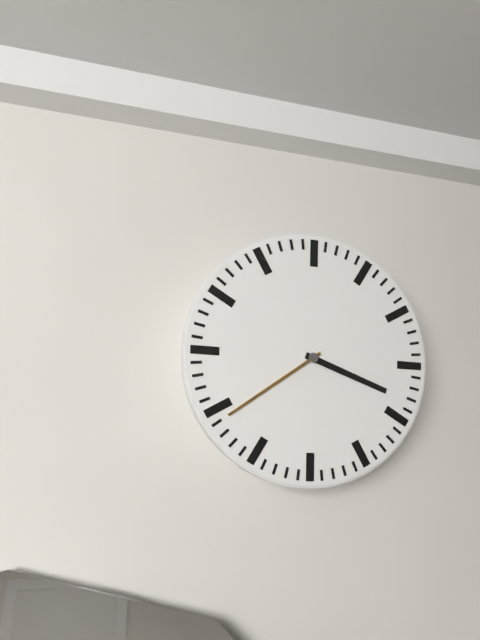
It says 3:39
